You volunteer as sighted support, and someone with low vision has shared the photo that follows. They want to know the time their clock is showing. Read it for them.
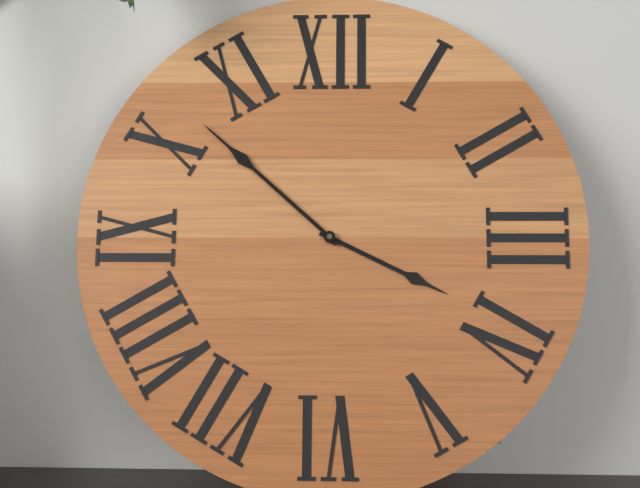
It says 3:52
